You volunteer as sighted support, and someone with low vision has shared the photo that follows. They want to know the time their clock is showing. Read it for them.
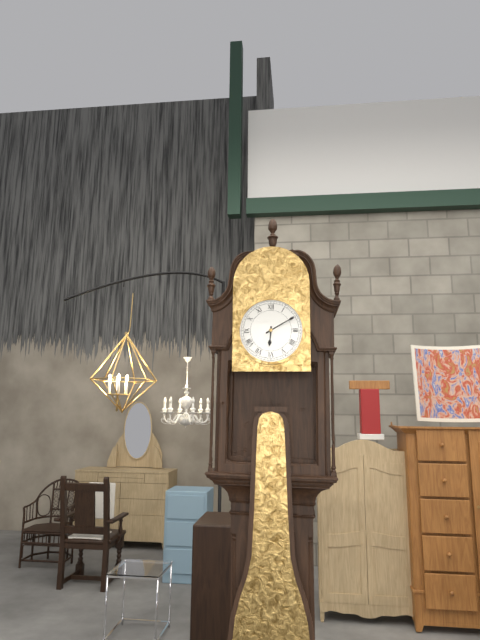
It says 6:10
